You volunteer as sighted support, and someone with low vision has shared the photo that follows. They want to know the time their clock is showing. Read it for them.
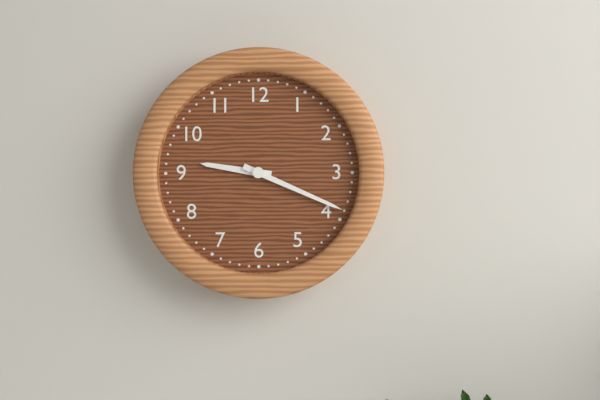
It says 9:19
